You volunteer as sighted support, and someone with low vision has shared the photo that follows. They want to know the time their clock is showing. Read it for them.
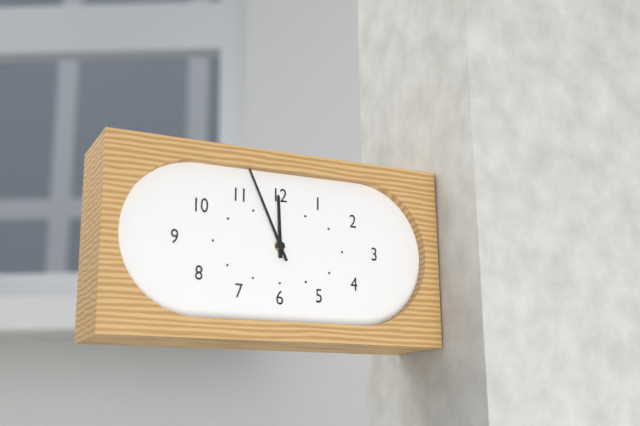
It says 11:56
